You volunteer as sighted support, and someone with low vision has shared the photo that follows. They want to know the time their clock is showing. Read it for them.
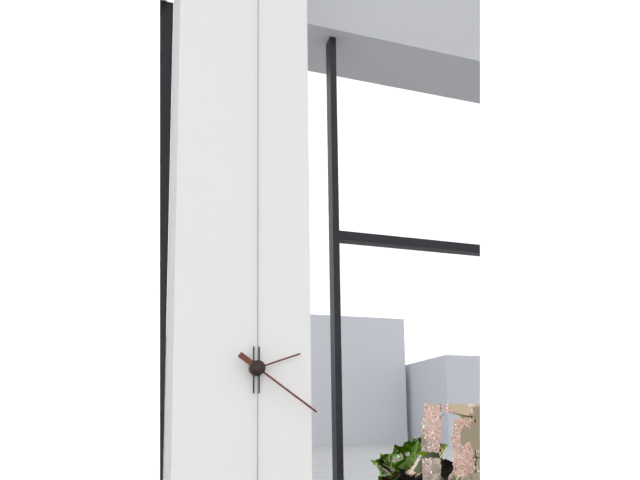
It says 2:21
